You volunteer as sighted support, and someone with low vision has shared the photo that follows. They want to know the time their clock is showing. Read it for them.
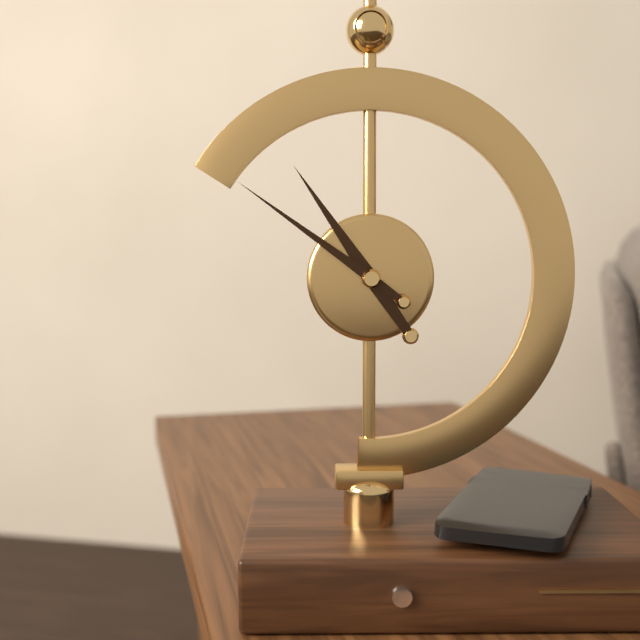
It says 10:51
